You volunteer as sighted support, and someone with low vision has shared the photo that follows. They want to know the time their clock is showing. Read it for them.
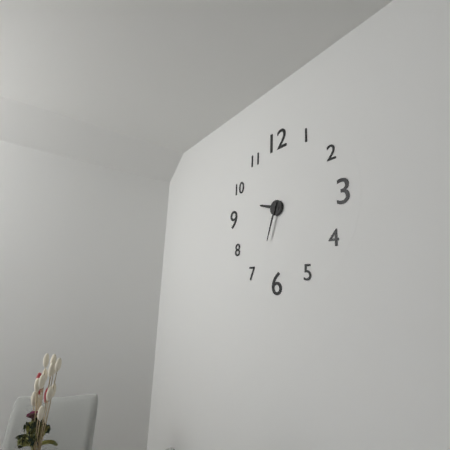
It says 9:33
